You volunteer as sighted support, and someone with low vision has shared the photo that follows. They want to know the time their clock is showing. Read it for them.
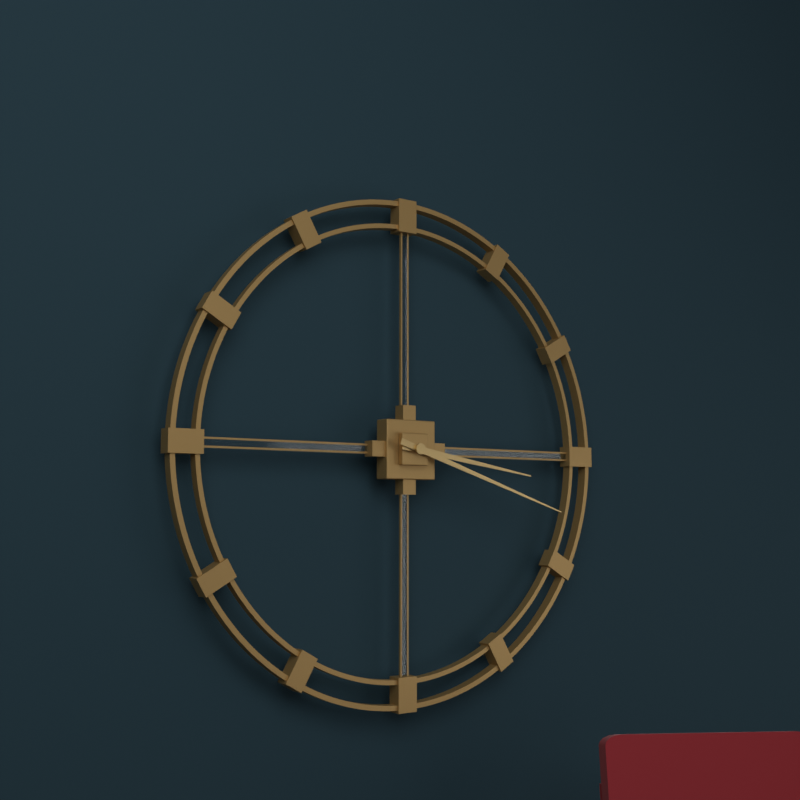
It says 3:18
